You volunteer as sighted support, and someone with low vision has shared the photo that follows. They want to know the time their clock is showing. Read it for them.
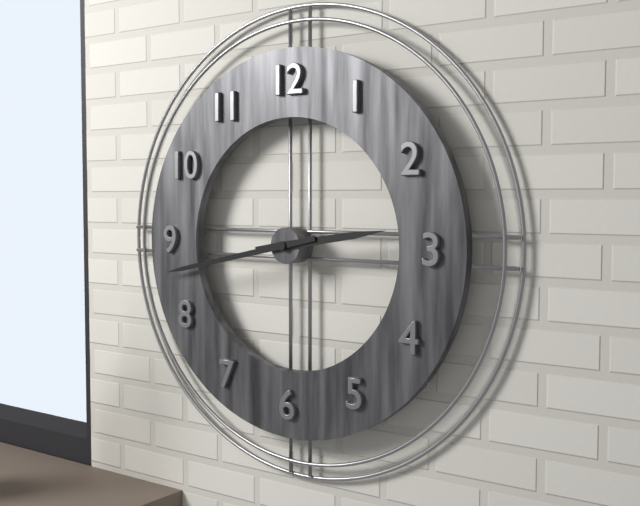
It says 2:43
